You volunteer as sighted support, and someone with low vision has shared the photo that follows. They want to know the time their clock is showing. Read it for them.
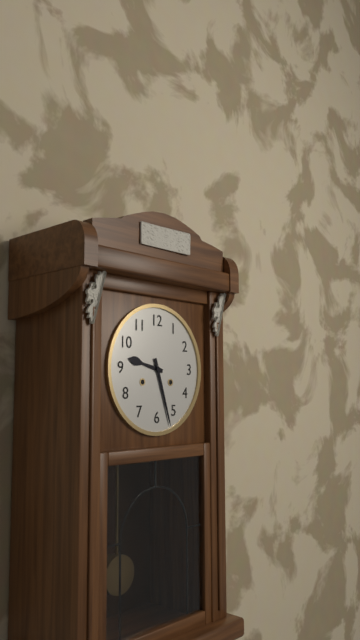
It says 9:27
